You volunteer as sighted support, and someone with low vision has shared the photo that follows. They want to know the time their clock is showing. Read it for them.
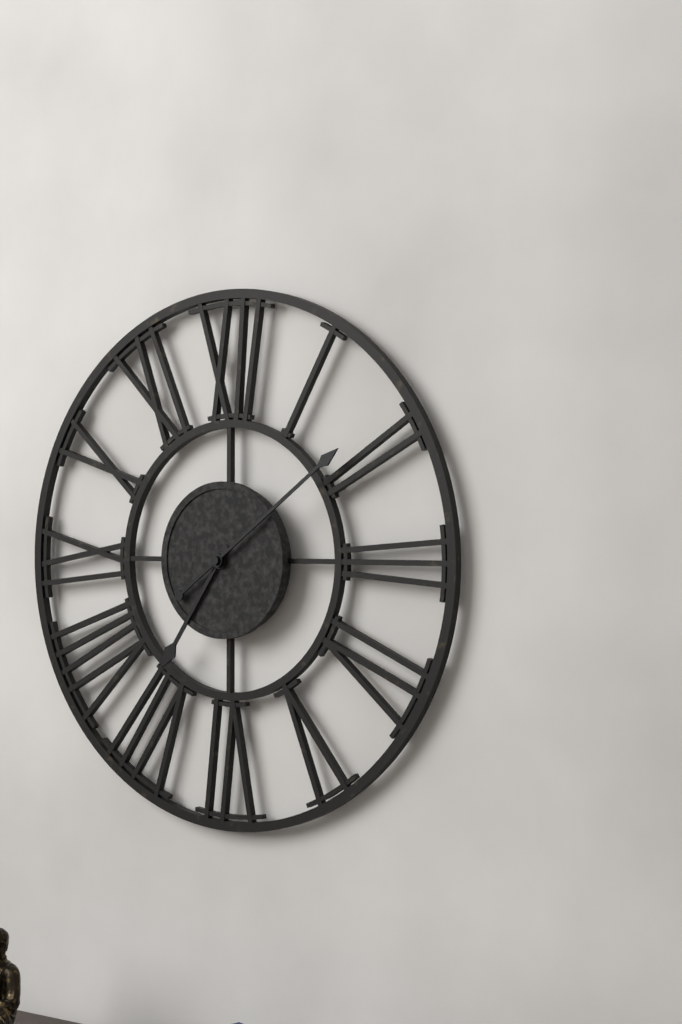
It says 7:09
